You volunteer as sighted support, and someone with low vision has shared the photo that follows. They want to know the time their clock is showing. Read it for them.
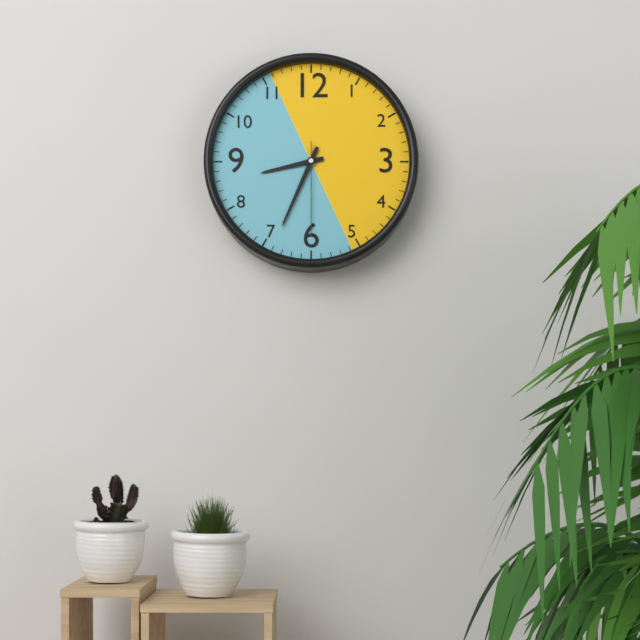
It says 8:34:30
